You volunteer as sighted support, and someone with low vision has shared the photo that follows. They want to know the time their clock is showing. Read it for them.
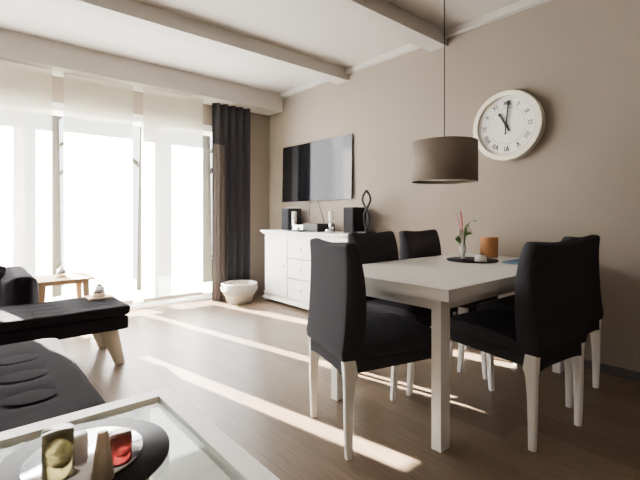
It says 11:01
